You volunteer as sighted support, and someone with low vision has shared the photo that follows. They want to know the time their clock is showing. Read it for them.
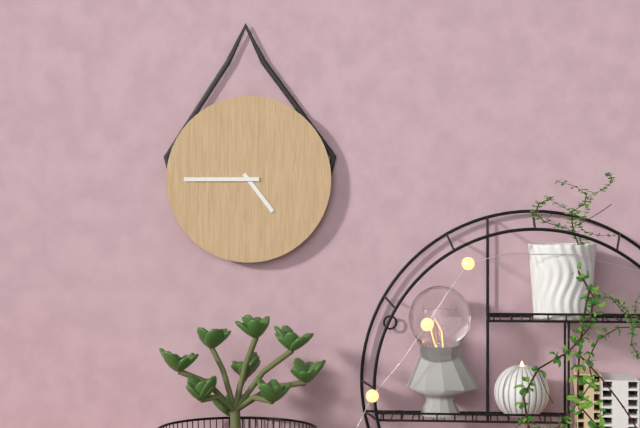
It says 4:45
